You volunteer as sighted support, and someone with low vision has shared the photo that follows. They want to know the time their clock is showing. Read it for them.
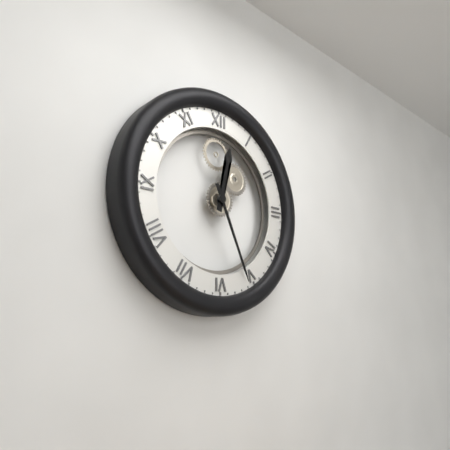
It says 12:26
